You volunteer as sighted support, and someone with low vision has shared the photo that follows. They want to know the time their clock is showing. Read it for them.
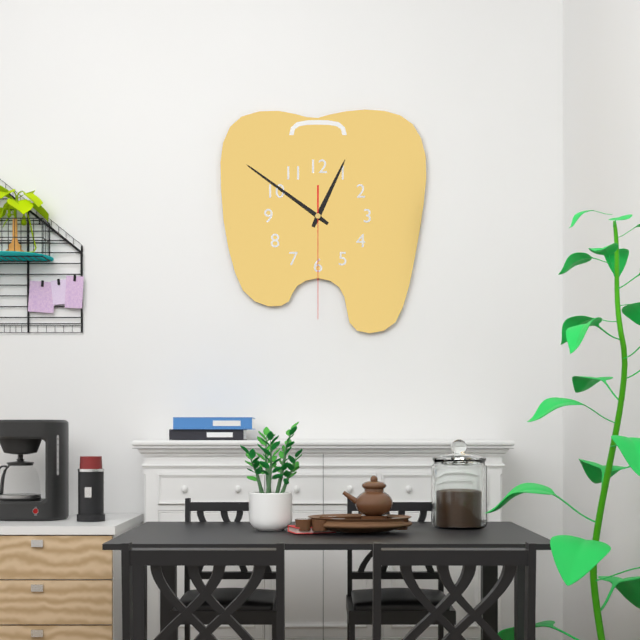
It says 12:51:30
